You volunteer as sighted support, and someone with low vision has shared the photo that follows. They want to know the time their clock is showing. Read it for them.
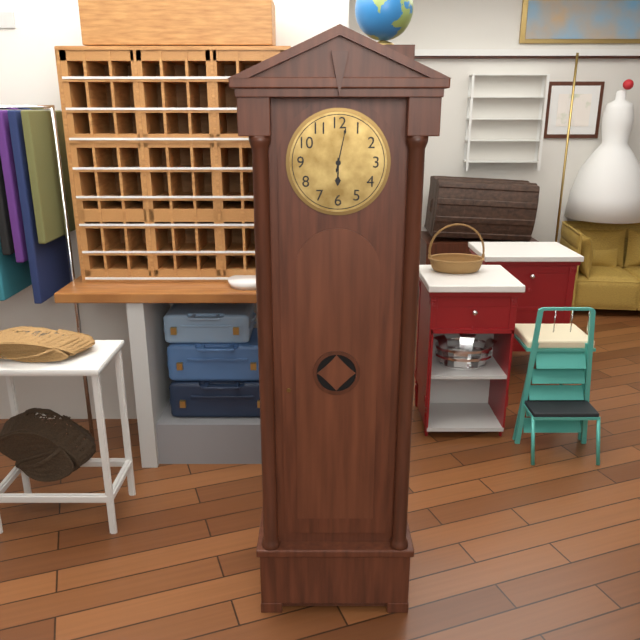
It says 6:02
